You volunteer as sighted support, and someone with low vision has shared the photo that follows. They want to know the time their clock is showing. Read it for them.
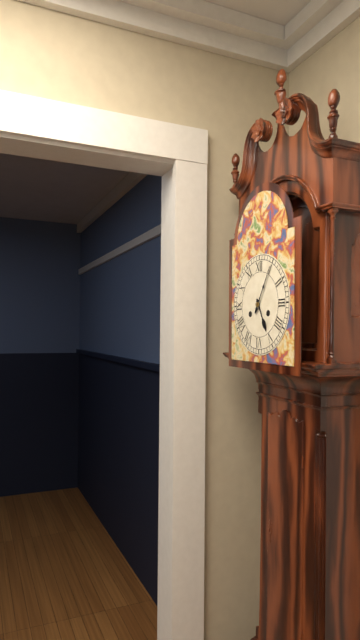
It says 5:05
